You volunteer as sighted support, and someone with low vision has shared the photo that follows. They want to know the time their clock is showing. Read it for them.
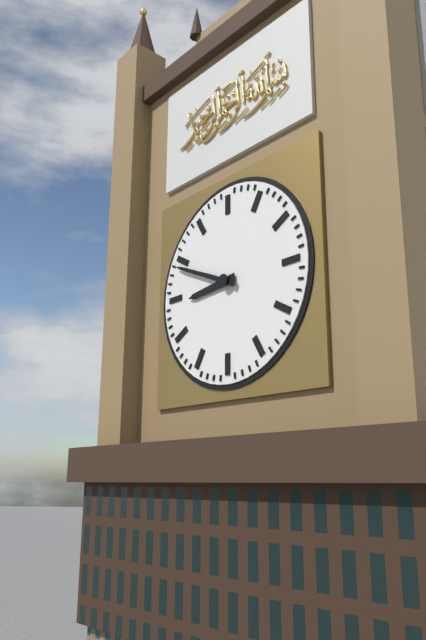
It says 8:49
